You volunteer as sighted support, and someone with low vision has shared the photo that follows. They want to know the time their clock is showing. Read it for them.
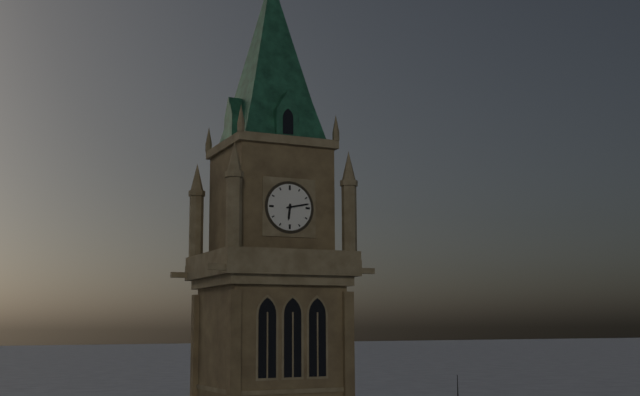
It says 6:13
